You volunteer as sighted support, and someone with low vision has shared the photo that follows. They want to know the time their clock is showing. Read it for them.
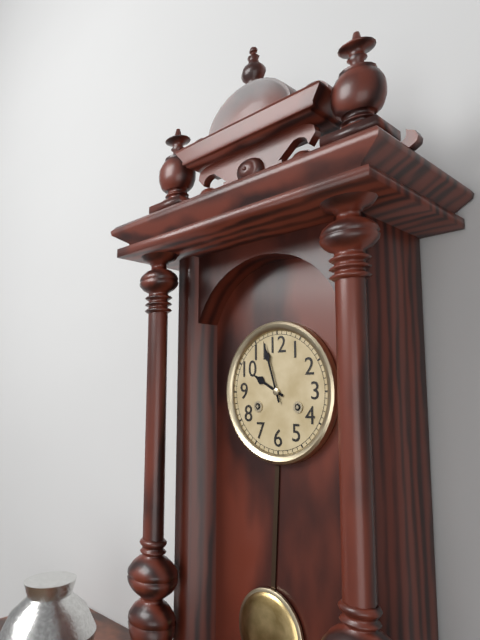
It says 9:57
